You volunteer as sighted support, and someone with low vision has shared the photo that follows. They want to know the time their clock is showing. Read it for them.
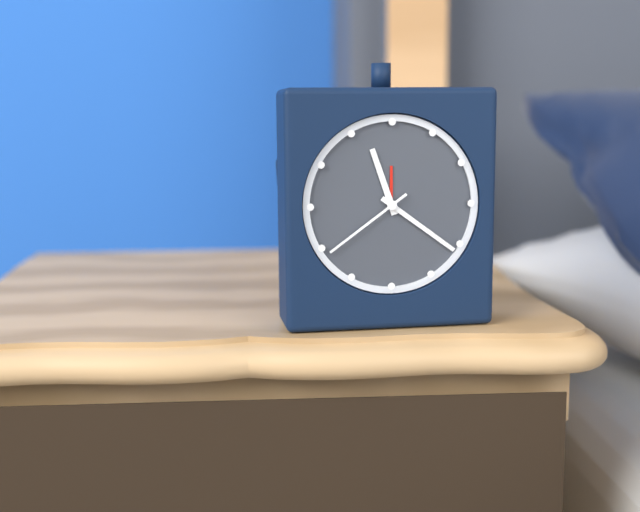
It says 11:21:39
